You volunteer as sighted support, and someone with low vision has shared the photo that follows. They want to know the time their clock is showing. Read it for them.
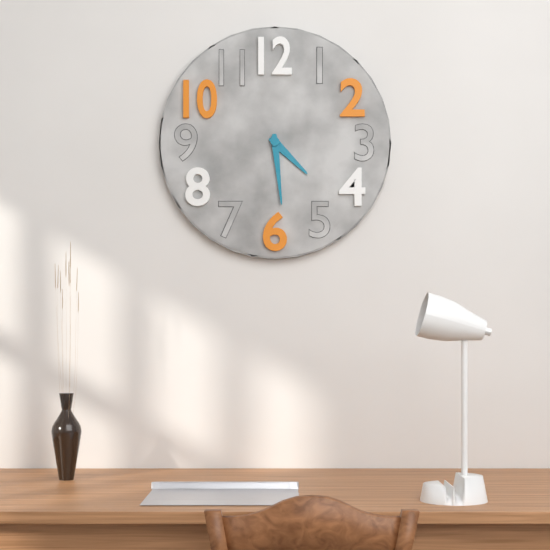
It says 4:29
